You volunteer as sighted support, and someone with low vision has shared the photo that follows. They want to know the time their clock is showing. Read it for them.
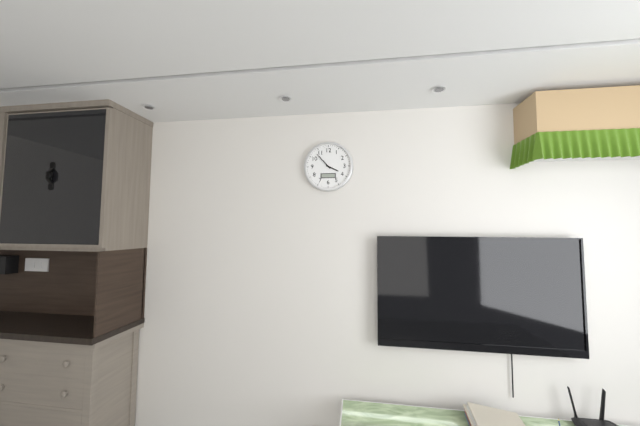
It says 3:53
